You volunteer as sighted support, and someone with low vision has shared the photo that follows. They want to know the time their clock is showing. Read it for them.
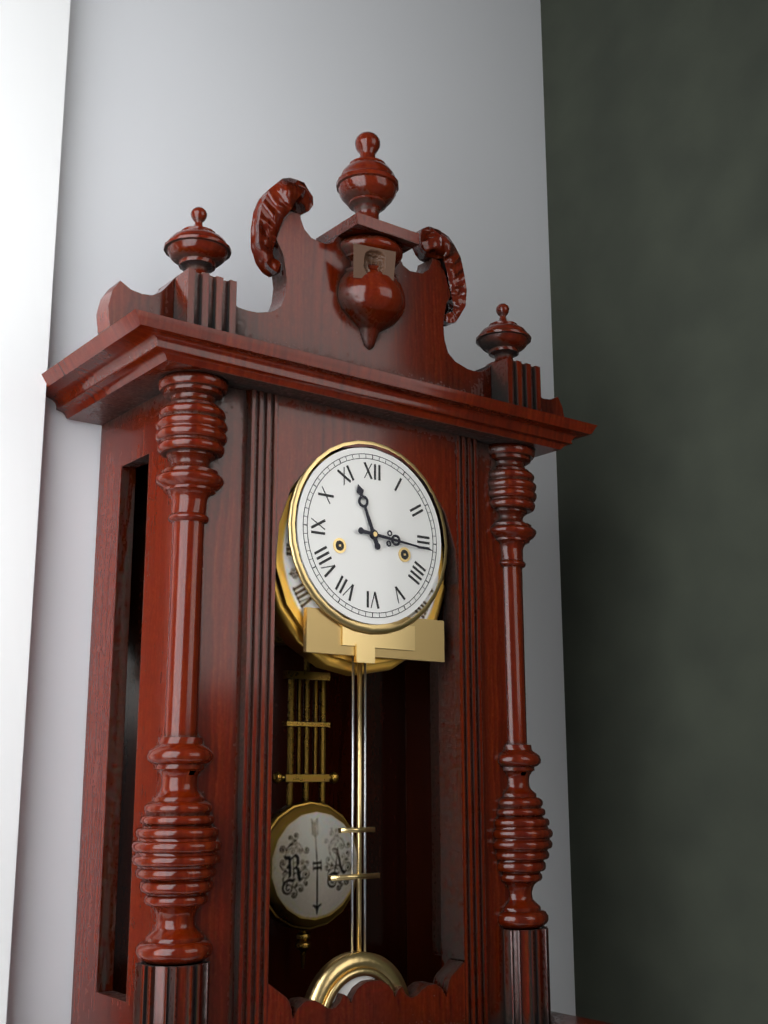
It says 11:16
